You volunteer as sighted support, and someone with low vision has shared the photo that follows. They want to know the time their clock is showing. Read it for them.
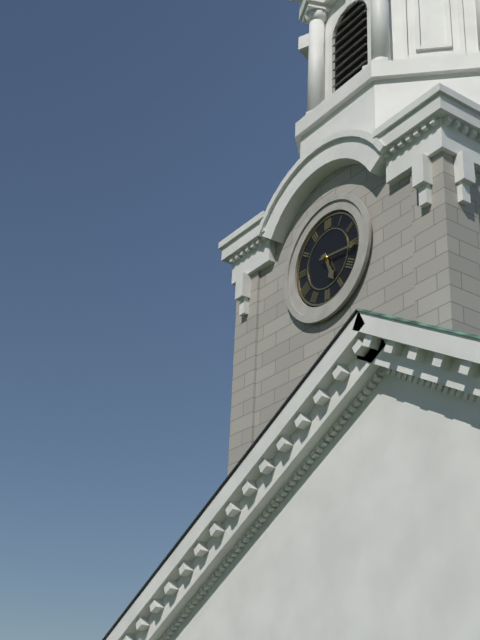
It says 5:16
